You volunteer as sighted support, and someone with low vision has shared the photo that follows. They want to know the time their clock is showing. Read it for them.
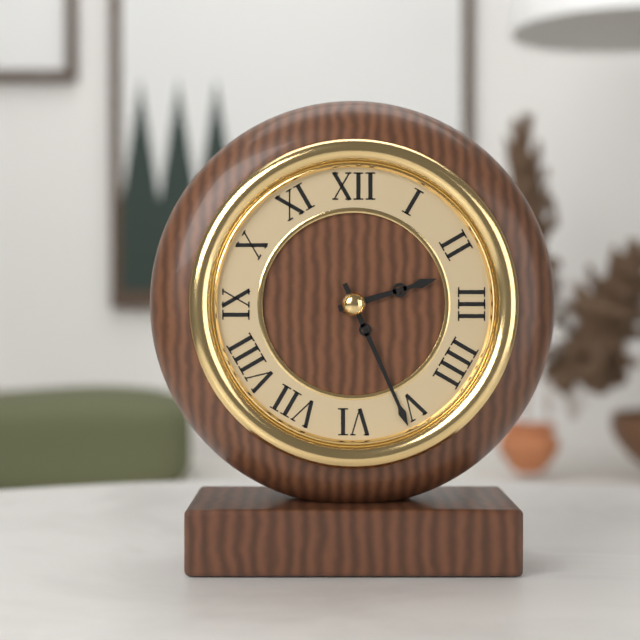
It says 2:26
